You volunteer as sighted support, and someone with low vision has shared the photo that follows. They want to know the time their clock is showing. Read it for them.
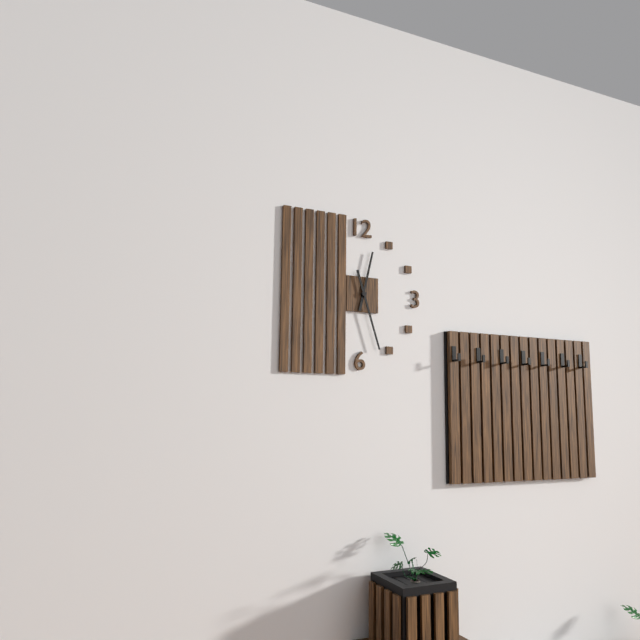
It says 12:27
